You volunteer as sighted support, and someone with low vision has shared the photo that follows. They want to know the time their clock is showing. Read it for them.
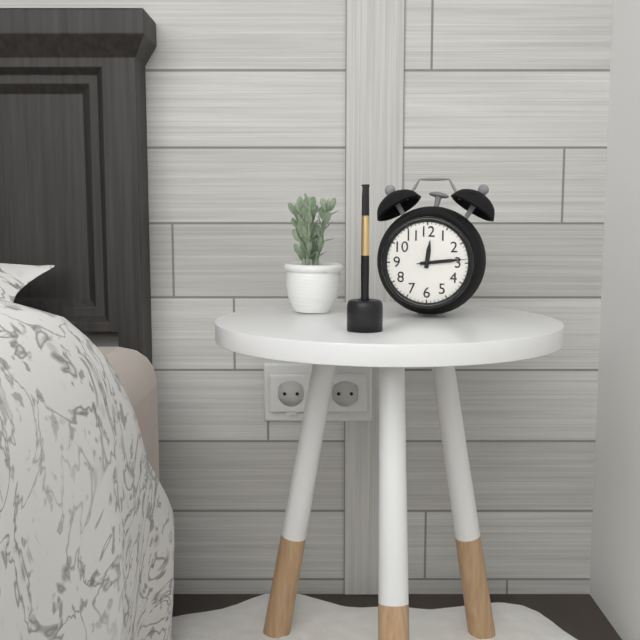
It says 12:14
